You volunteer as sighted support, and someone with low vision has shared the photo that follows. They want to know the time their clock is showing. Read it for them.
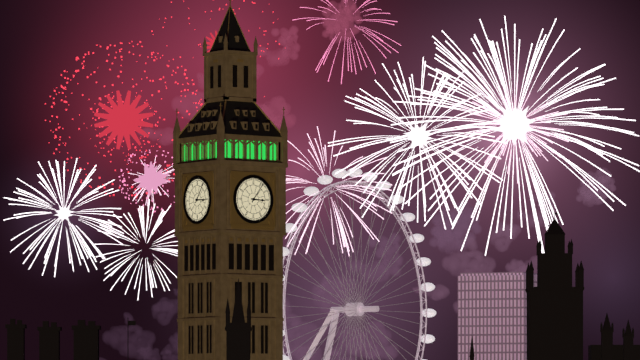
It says 3:06
